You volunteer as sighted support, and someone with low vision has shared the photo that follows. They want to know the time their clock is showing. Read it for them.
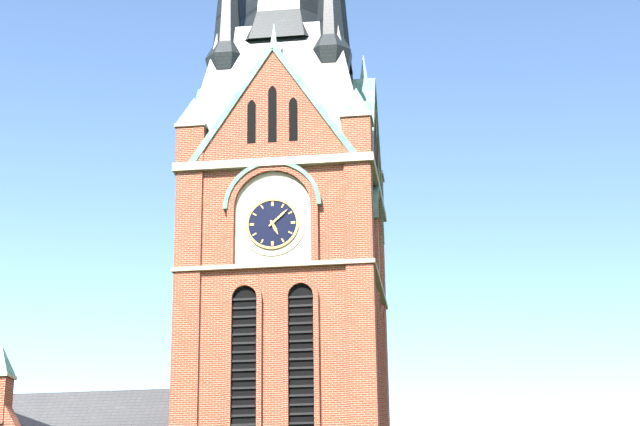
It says 5:08
